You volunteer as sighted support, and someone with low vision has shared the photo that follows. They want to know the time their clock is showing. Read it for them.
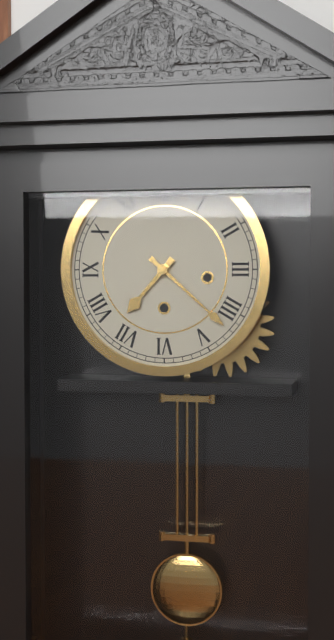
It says 7:22
